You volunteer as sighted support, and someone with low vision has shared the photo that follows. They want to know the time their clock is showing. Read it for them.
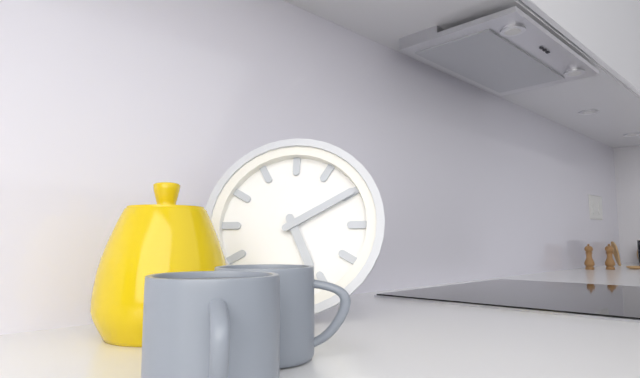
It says 5:10
